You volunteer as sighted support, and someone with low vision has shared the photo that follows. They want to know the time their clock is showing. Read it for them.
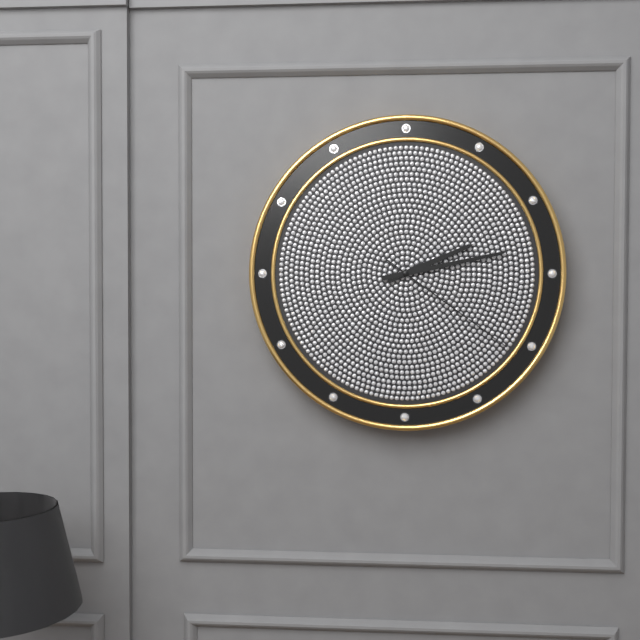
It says 2:13:21
